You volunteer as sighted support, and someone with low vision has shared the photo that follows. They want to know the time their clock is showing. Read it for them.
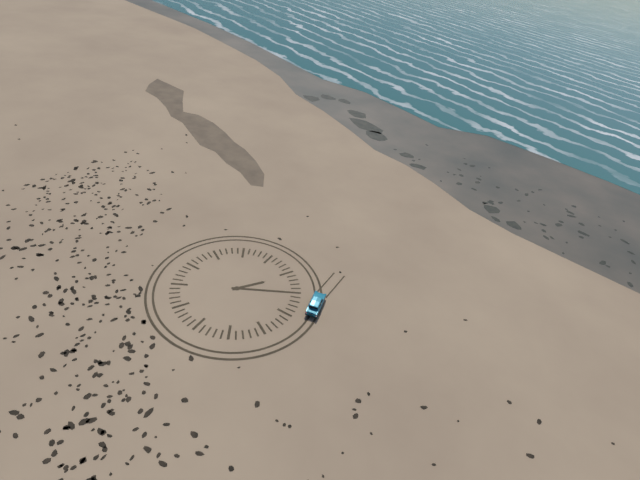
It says 1:10
